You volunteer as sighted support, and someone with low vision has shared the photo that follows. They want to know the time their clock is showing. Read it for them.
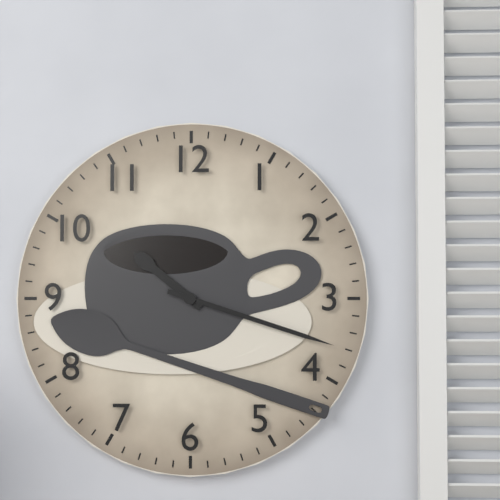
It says 10:18
